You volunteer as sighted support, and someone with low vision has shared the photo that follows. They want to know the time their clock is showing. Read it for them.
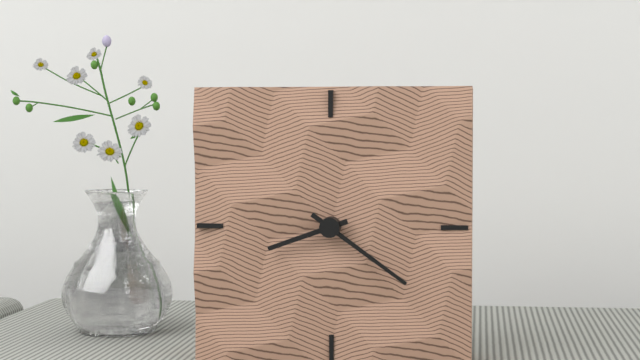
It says 8:21
